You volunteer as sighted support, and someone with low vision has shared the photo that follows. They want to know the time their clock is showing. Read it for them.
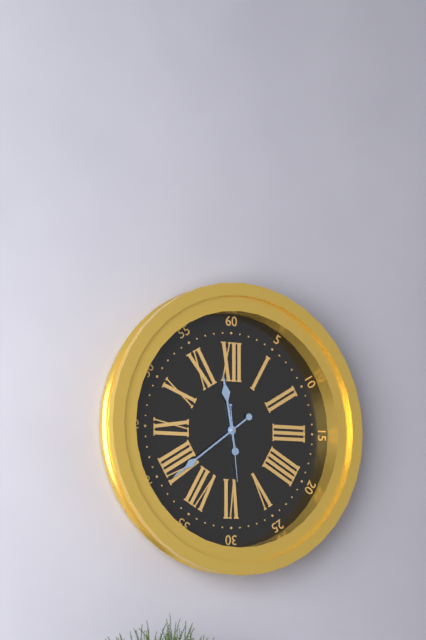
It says 11:39:29
